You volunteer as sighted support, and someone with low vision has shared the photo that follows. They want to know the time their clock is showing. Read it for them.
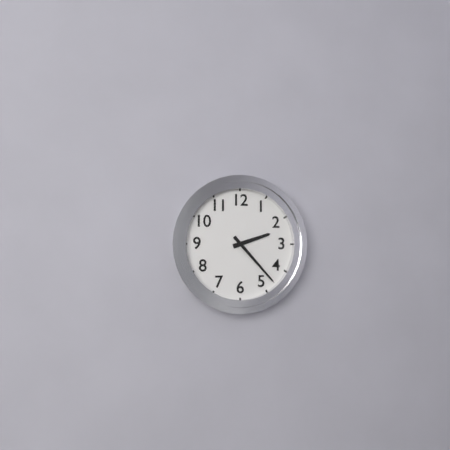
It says 2:23
